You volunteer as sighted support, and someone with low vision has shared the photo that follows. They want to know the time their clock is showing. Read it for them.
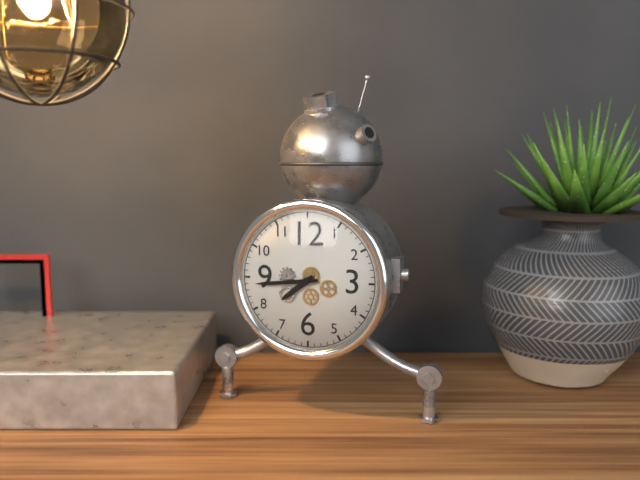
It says 7:44
